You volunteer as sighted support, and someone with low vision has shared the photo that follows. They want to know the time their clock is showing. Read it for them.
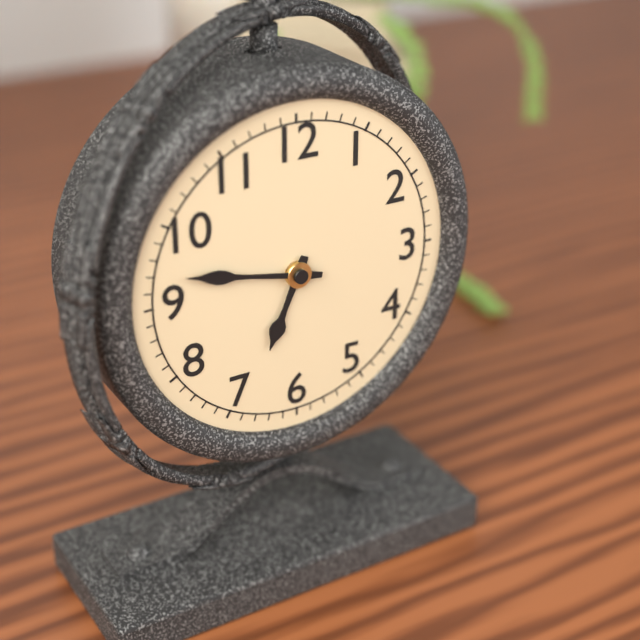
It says 6:47
